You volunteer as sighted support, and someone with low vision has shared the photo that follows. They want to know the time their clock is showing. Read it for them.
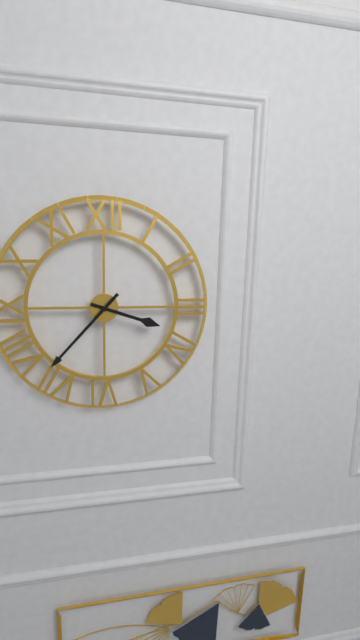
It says 3:37
